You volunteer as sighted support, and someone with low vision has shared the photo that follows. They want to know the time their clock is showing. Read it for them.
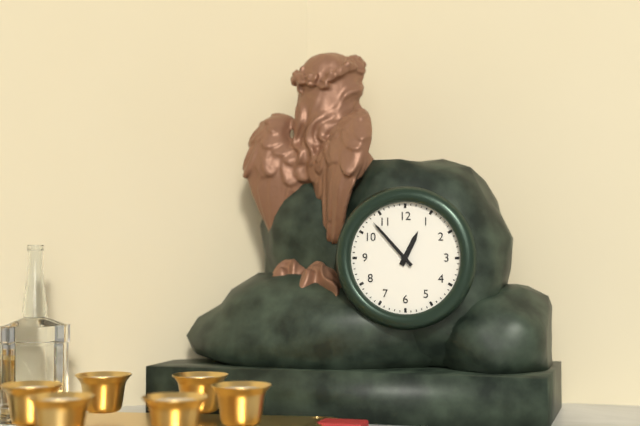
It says 12:53
